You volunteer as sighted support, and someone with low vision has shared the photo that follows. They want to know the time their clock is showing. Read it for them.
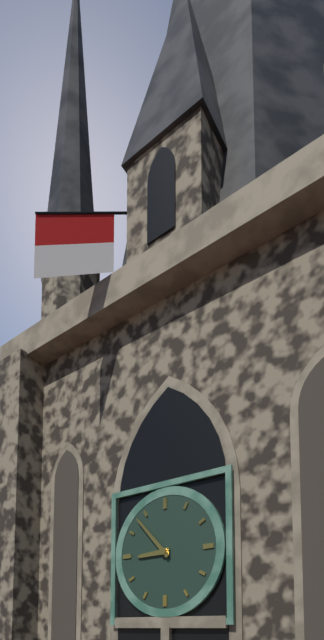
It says 8:53
